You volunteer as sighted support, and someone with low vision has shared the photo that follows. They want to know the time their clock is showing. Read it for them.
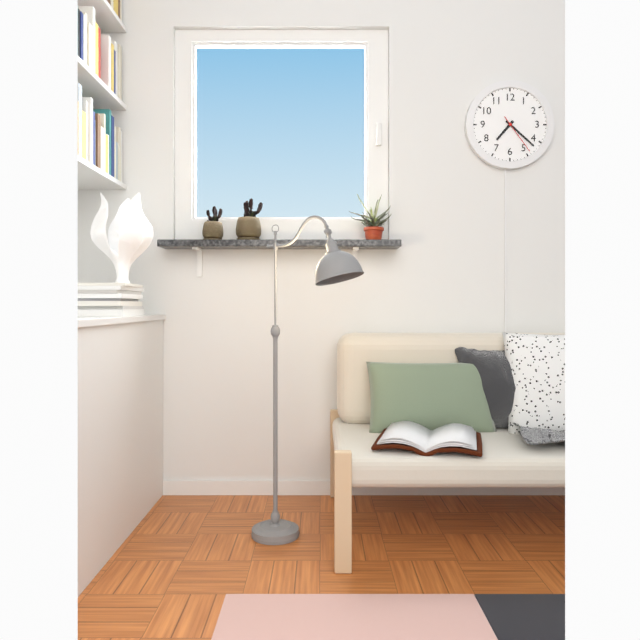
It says 7:22
